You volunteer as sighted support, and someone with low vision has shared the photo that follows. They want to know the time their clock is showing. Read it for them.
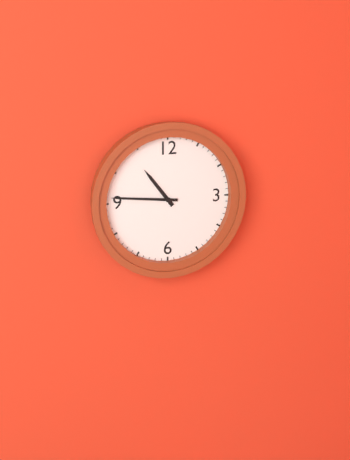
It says 10:46
